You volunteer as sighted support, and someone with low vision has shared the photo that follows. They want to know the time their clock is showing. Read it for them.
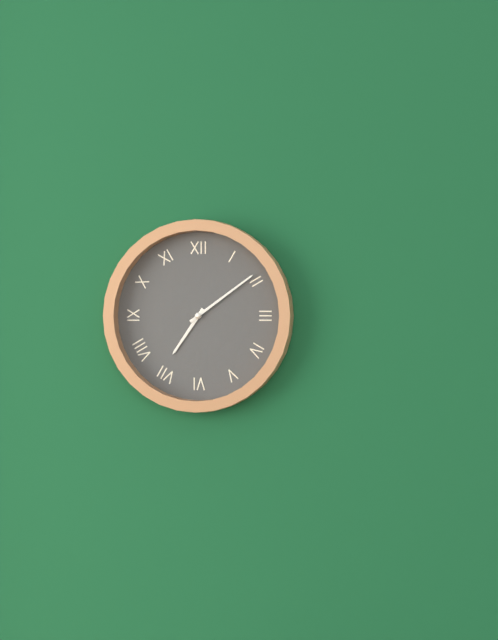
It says 7:09
